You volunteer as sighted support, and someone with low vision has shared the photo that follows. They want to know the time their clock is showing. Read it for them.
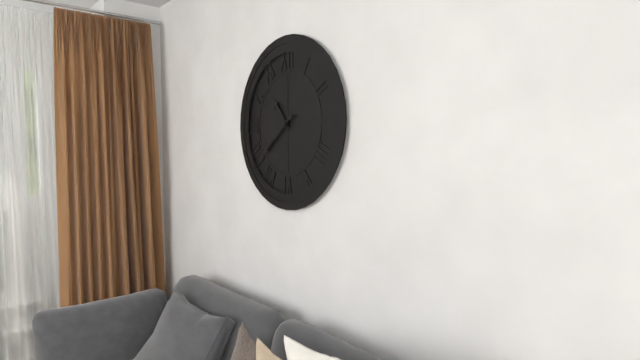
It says 10:39
